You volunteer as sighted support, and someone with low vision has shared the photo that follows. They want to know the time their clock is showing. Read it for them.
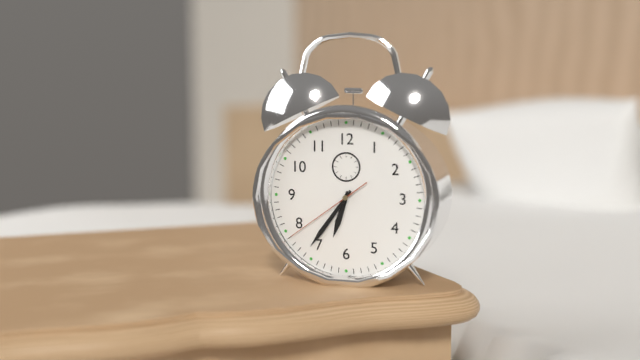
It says 6:36:39
